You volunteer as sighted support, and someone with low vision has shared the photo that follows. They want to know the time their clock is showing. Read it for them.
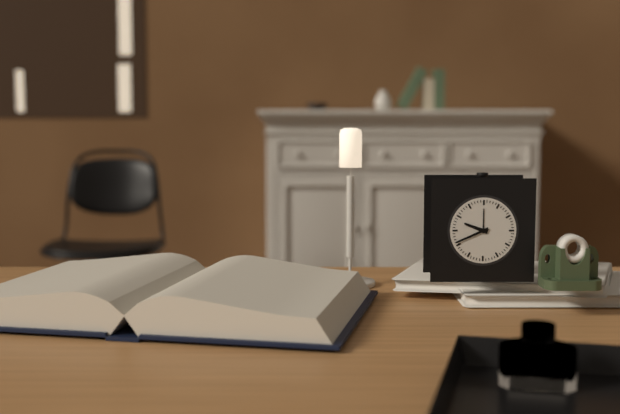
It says 9:41
